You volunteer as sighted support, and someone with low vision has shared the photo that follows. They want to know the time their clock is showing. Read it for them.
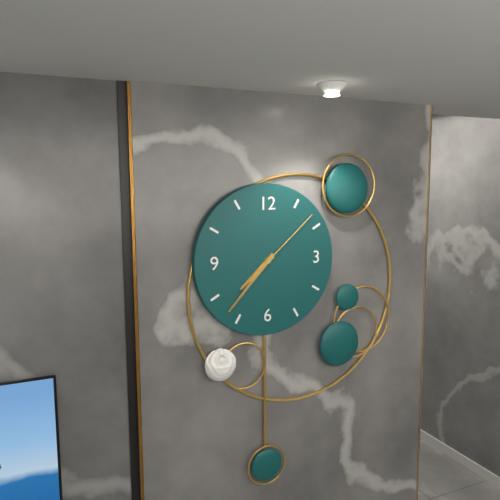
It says 7:37:08
